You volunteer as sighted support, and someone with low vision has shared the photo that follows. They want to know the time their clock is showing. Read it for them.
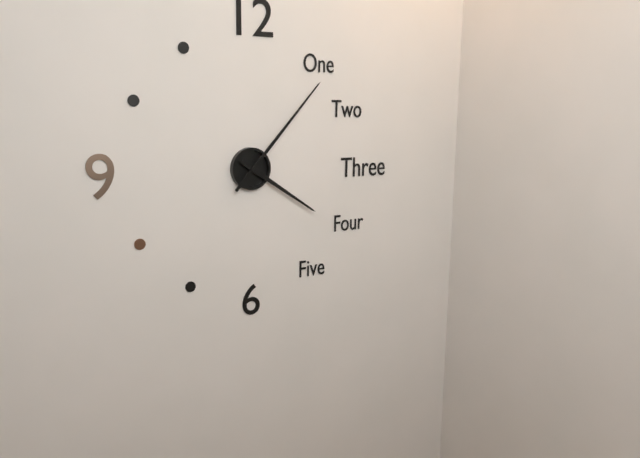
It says 4:07
